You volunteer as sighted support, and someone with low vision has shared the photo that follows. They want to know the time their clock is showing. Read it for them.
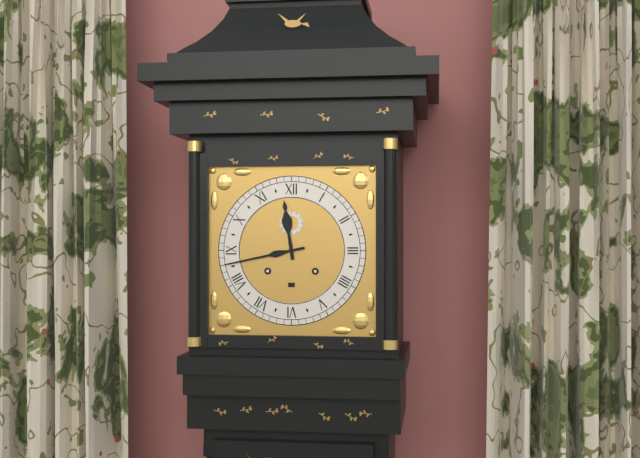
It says 11:43
